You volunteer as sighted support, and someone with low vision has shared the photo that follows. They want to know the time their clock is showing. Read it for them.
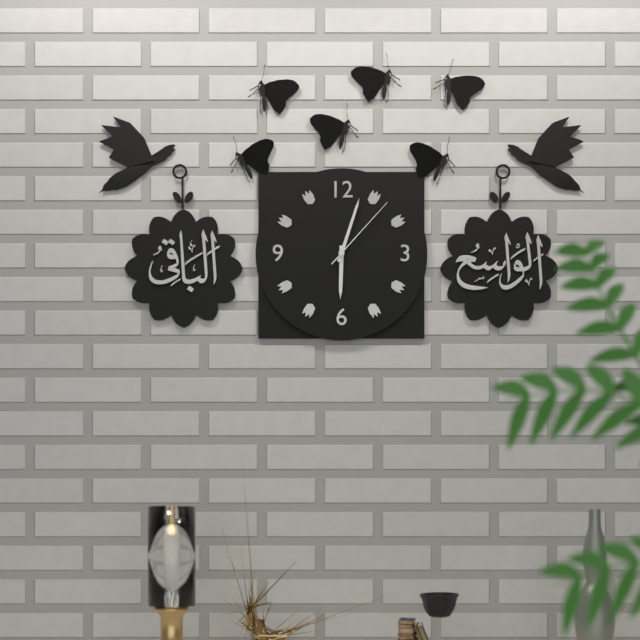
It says 6:03:07
